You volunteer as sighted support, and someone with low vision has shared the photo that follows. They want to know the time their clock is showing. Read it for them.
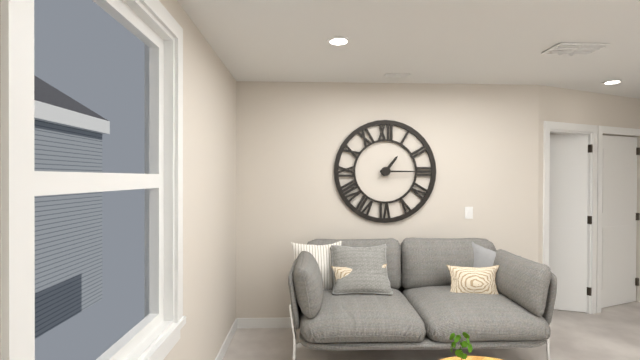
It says 1:15
